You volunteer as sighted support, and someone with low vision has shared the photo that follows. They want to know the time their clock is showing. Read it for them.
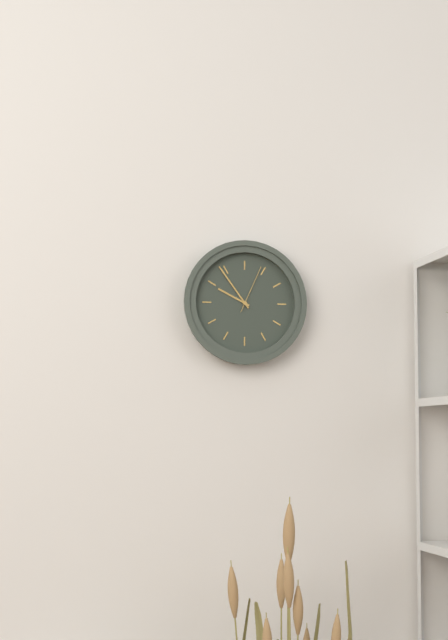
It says 9:54:04
